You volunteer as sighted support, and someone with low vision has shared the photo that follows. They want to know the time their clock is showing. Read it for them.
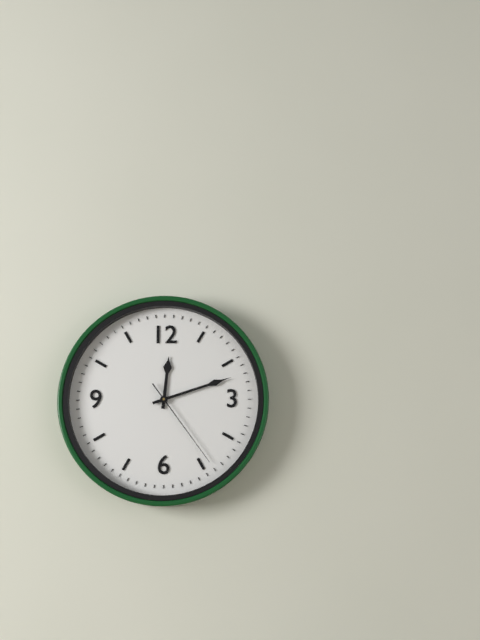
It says 12:12:24
